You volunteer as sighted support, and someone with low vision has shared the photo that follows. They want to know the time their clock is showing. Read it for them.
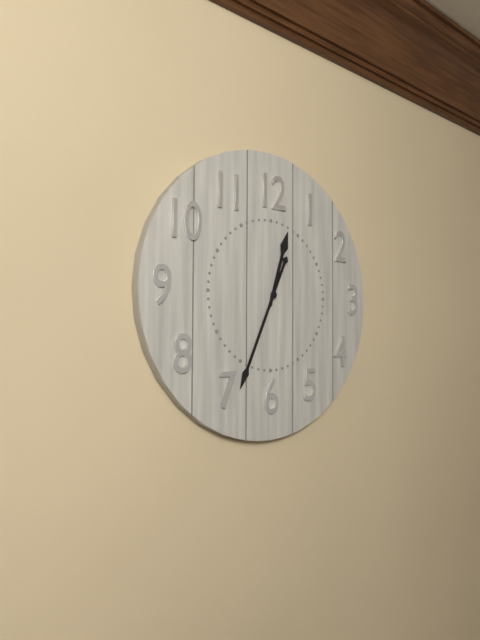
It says 12:34
